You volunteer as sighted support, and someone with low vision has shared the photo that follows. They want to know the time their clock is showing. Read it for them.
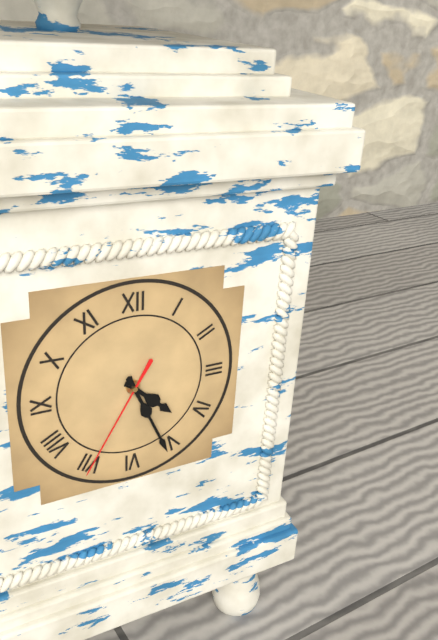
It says 4:26:35
